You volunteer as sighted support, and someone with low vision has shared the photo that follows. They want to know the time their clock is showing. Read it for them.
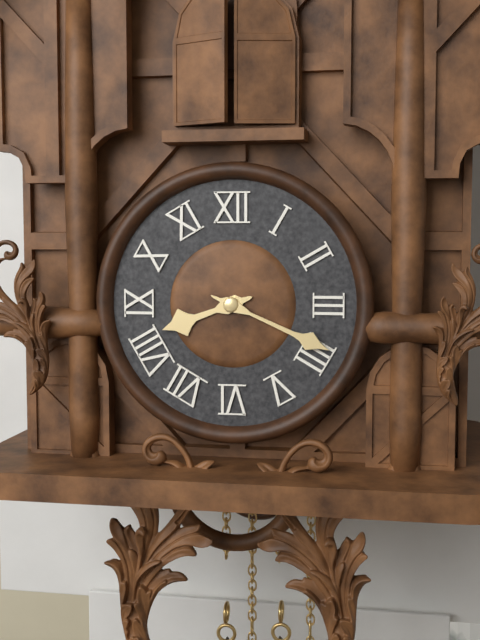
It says 8:19
